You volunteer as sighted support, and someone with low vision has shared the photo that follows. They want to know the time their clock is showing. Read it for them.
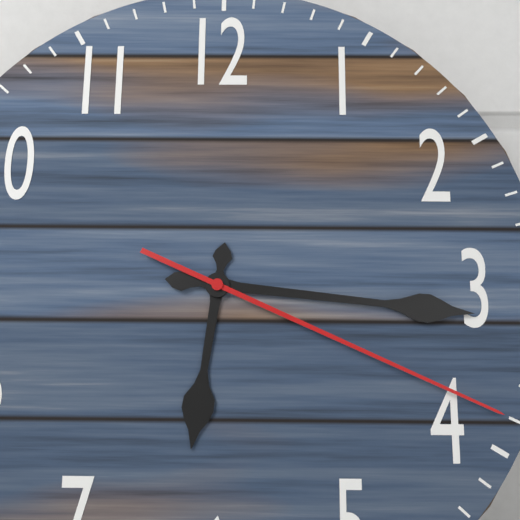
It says 6:16:19
